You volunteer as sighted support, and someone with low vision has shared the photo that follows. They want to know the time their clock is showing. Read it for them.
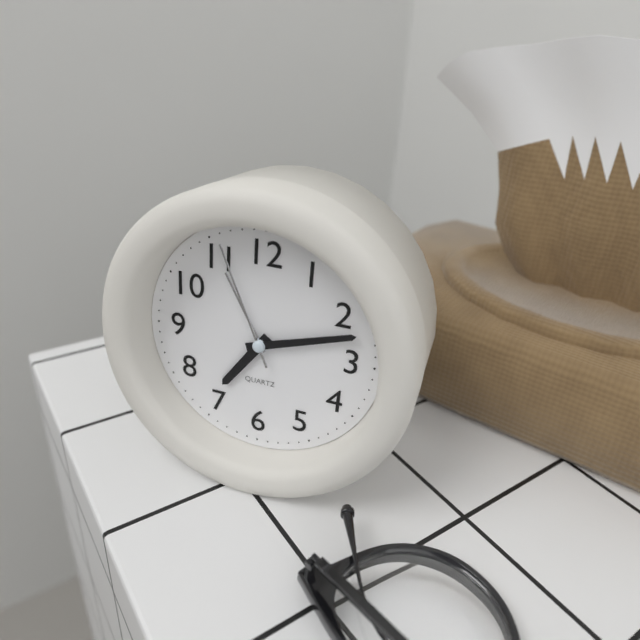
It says 7:12:56
